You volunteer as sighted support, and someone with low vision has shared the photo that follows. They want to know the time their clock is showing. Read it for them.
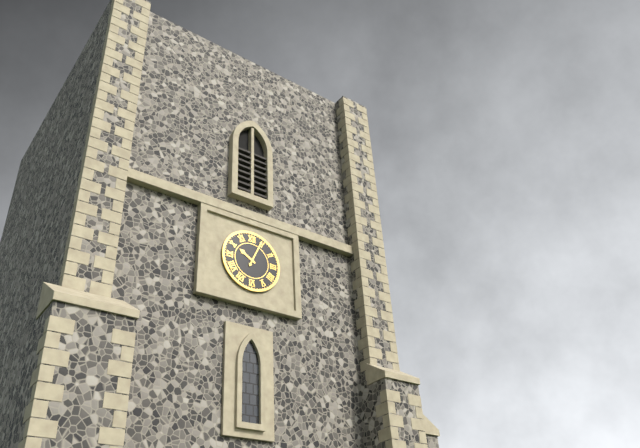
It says 10:04
